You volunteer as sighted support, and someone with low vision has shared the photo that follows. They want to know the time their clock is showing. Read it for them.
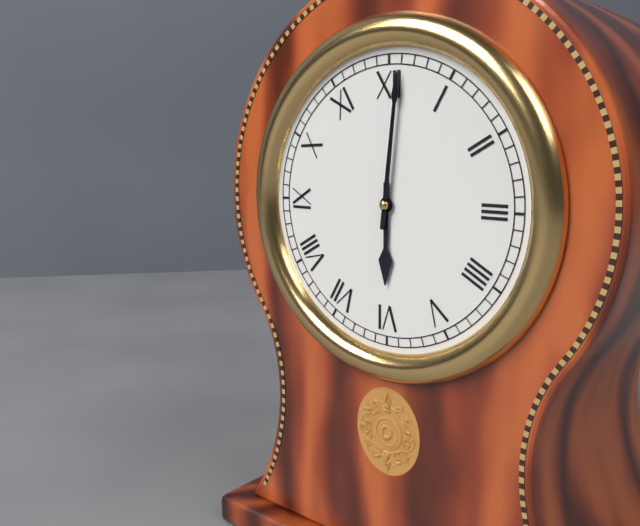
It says 6:01
